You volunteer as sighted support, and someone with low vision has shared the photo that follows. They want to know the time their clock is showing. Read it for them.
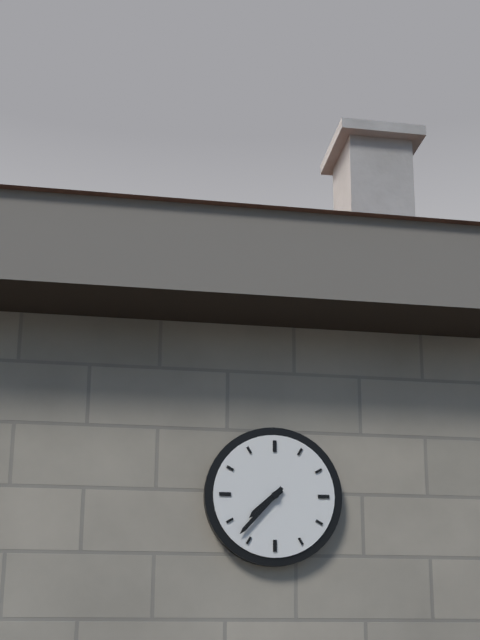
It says 7:37
